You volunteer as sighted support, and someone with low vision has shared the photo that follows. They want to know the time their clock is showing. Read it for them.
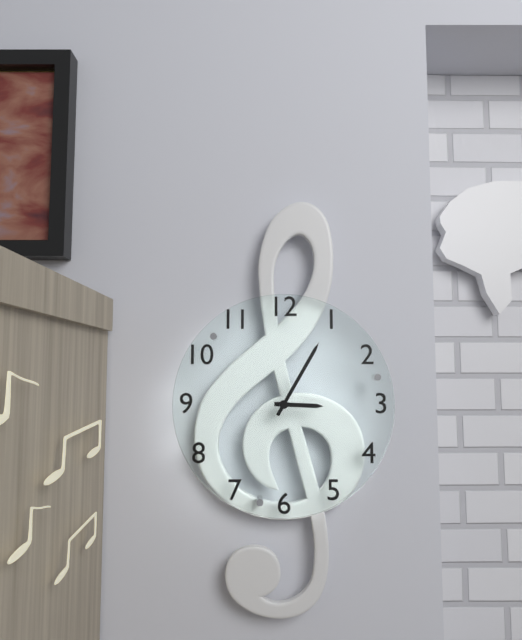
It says 3:05
